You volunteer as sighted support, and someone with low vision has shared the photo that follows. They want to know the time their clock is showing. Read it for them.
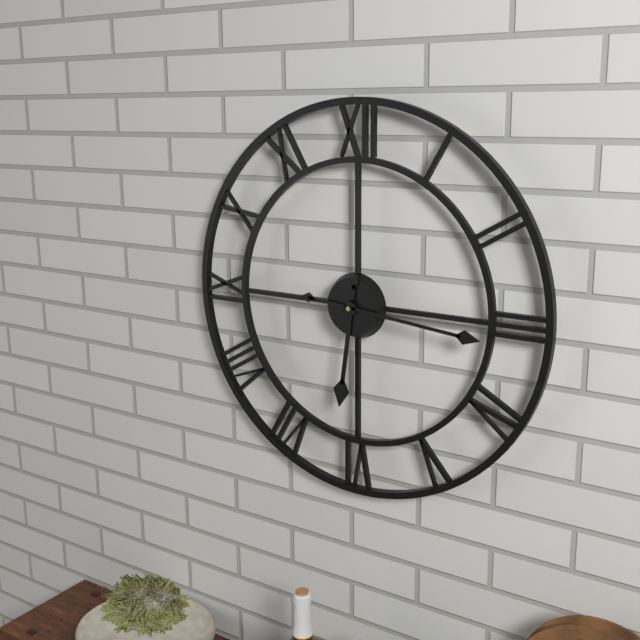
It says 6:16
